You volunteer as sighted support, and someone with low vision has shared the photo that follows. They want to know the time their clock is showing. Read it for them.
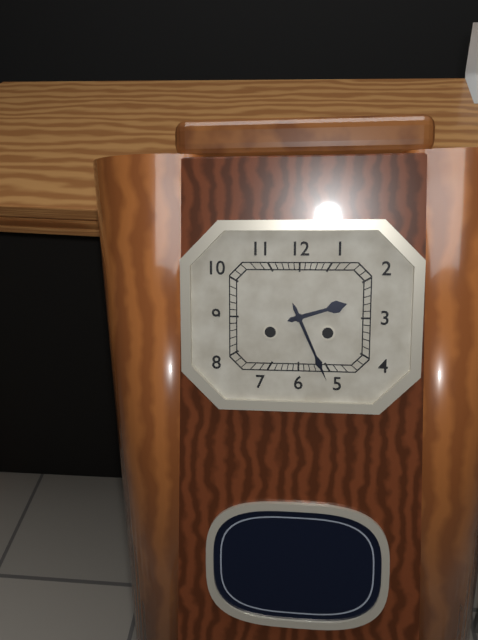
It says 2:26
